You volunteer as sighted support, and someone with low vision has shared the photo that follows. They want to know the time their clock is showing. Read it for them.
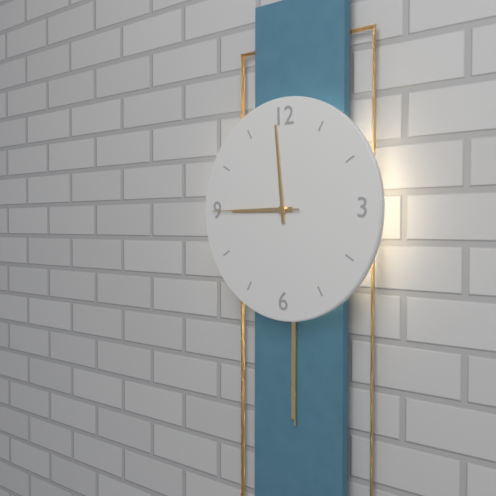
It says 8:59:45
